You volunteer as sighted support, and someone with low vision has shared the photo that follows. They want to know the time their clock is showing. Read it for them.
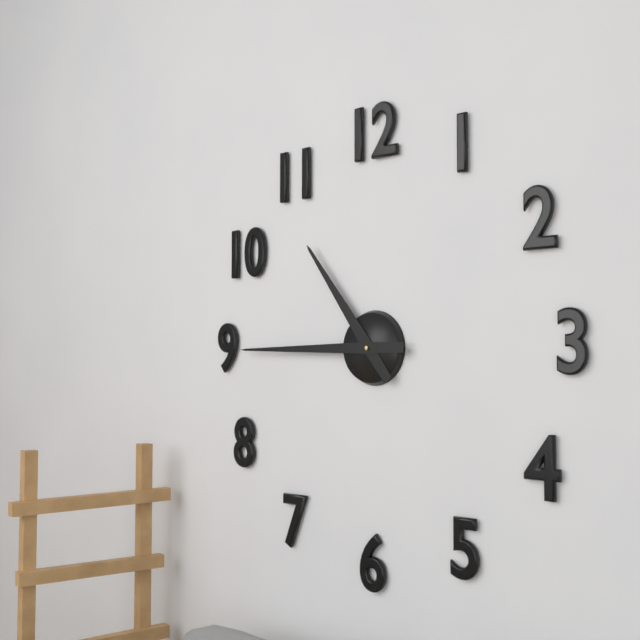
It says 10:45
